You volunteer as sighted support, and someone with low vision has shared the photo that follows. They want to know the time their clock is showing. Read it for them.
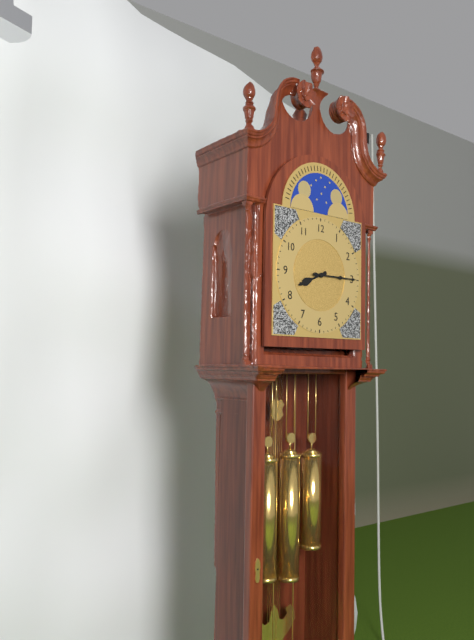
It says 8:15
